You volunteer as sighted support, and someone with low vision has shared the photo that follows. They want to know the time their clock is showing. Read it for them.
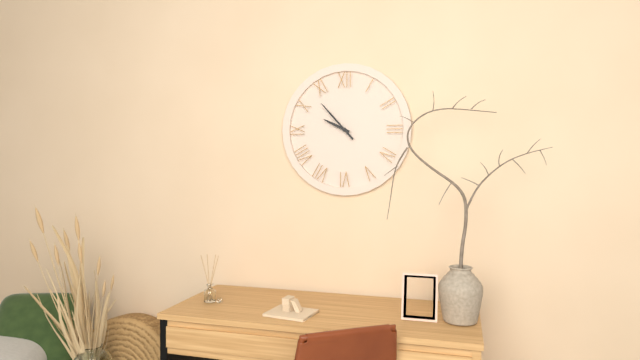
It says 9:53
